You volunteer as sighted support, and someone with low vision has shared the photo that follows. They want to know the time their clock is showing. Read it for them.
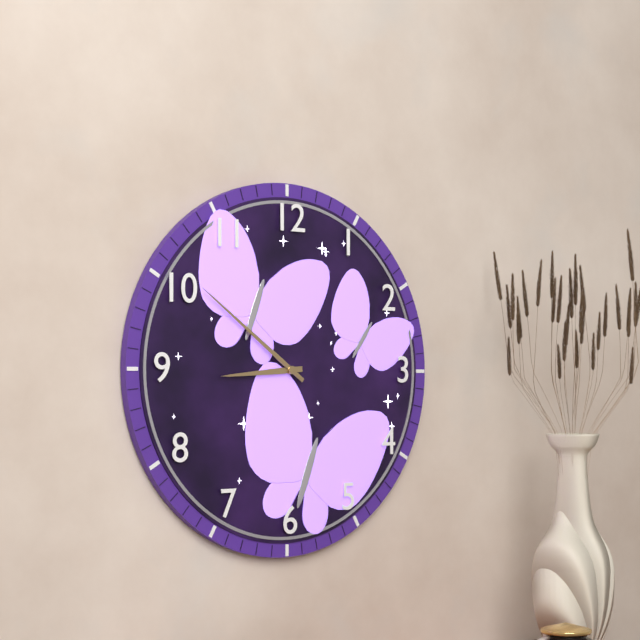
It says 8:51
